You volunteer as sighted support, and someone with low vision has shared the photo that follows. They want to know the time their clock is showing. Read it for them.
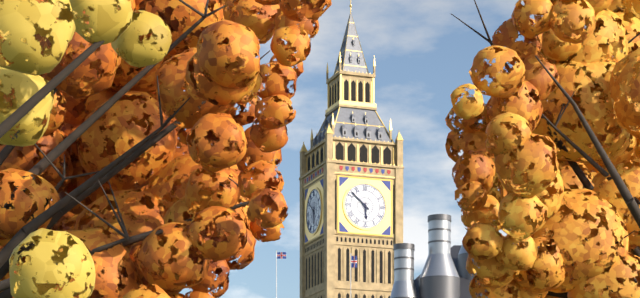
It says 5:52
